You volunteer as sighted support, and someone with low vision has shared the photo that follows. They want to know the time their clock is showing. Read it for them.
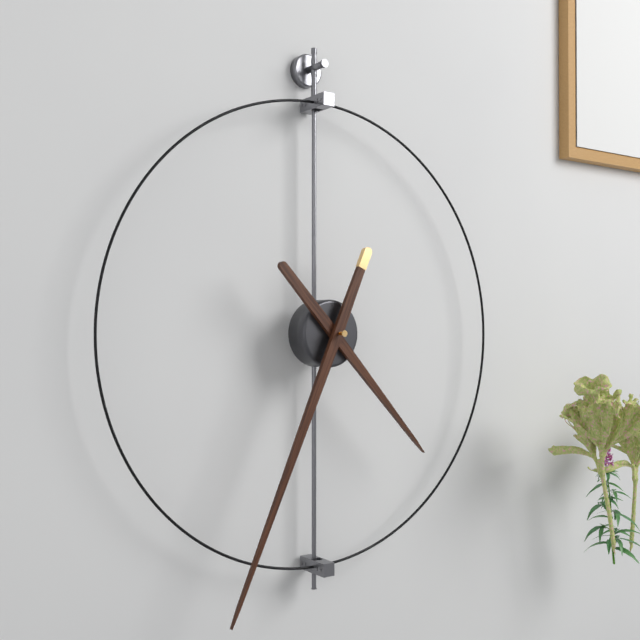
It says 4:34
